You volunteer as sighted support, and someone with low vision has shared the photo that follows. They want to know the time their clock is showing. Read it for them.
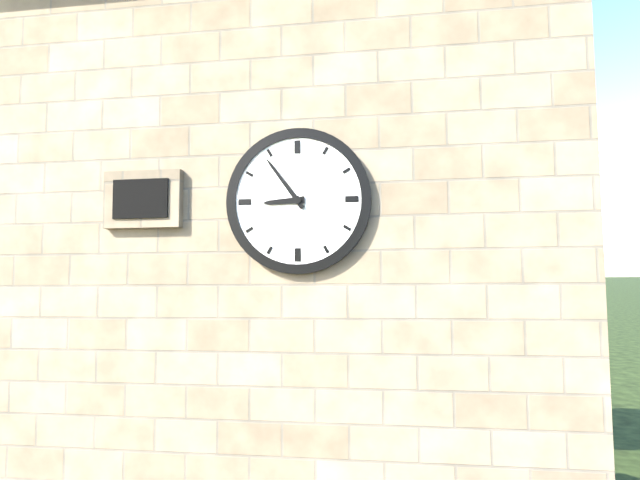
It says 8:54
